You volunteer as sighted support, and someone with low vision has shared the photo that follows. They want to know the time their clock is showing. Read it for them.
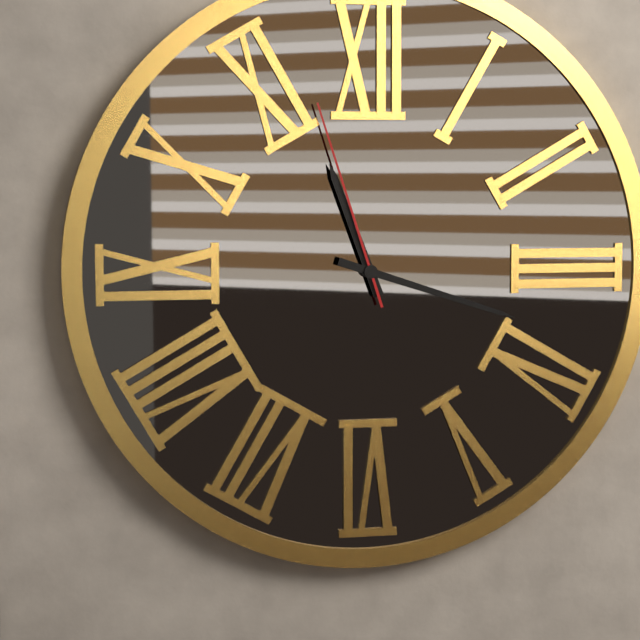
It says 11:18:57
